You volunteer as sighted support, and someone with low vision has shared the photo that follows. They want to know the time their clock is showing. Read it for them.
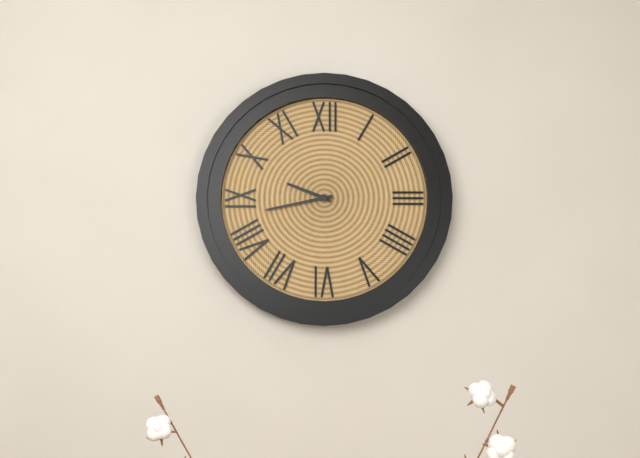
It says 9:43
